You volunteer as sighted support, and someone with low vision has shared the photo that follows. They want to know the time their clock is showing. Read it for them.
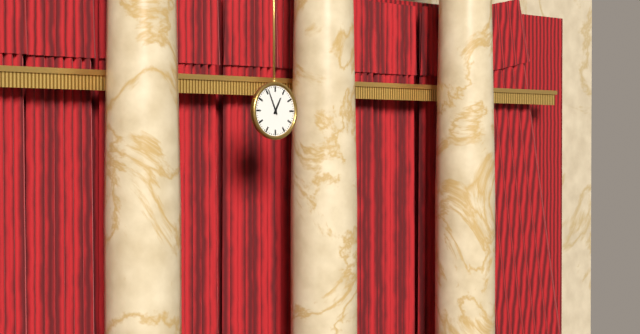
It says 12:56
